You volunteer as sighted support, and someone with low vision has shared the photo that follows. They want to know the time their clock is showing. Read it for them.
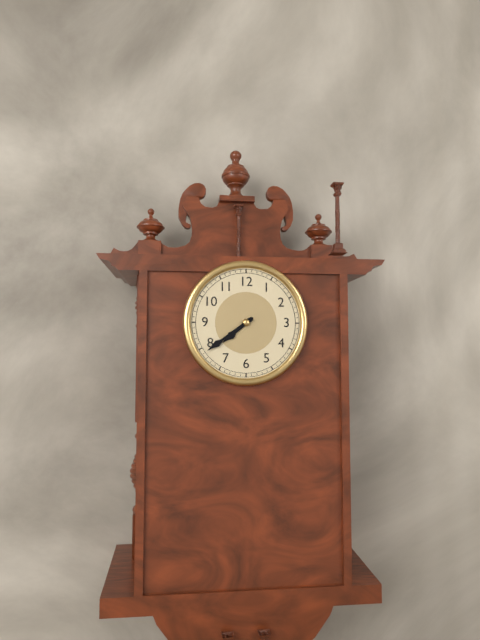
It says 7:39
